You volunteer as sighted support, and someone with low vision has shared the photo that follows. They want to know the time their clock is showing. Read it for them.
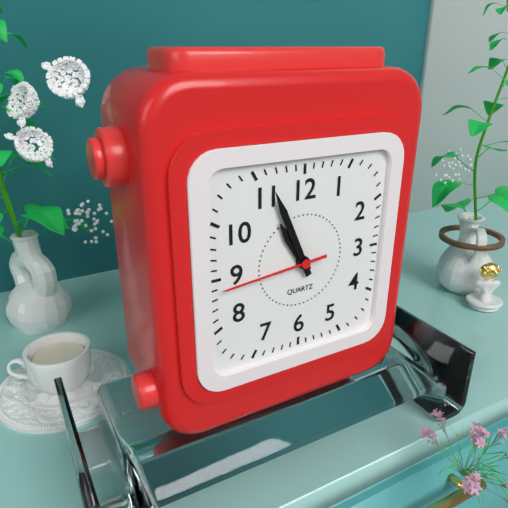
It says 10:56:44
